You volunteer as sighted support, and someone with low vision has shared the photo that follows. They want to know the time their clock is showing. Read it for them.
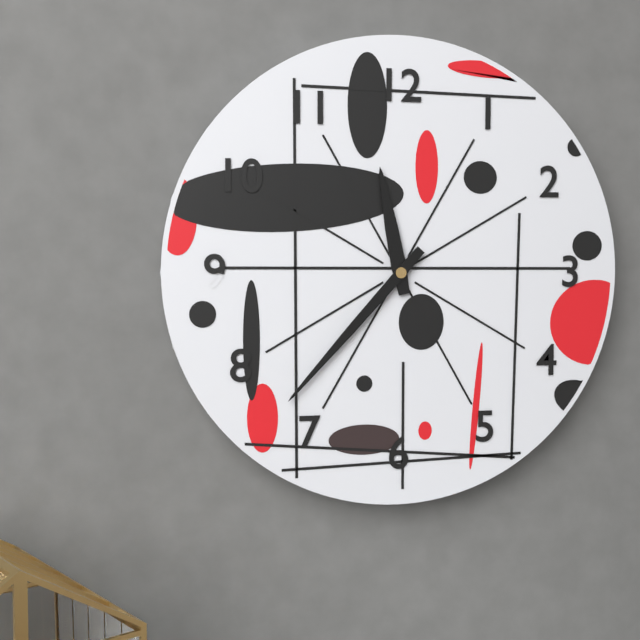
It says 11:37
